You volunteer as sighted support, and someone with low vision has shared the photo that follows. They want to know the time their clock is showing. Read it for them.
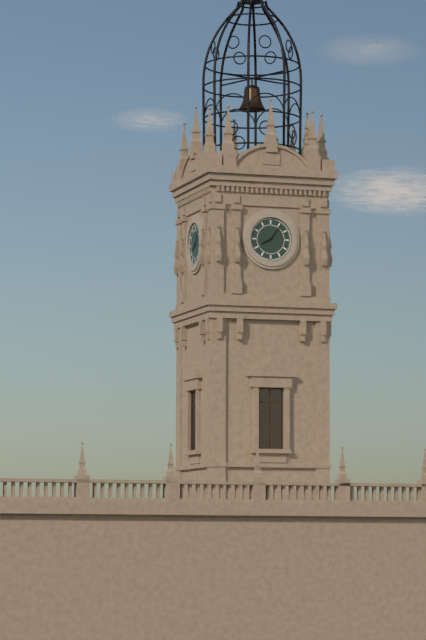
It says 8:06
